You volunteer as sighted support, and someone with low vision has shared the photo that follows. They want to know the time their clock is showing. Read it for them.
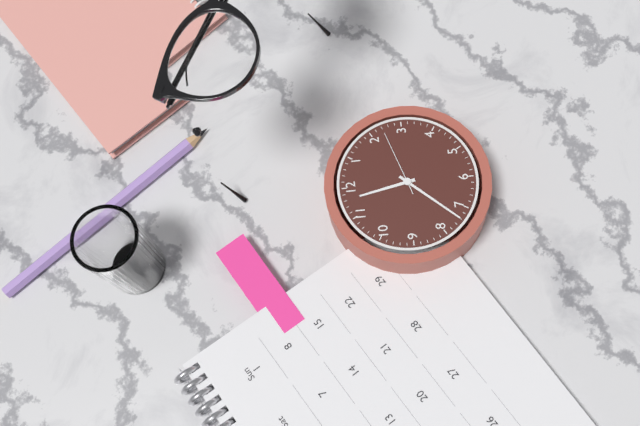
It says 11:37:12
